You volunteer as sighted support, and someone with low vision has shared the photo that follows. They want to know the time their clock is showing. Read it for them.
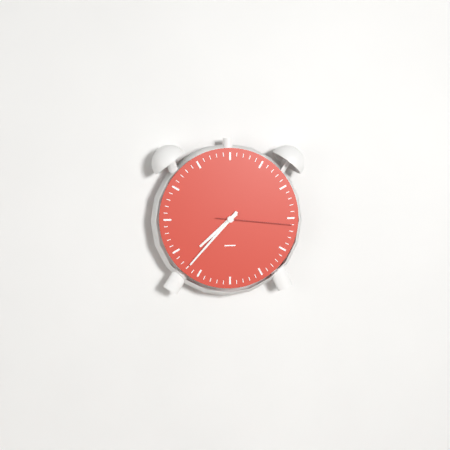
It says 7:37:16
